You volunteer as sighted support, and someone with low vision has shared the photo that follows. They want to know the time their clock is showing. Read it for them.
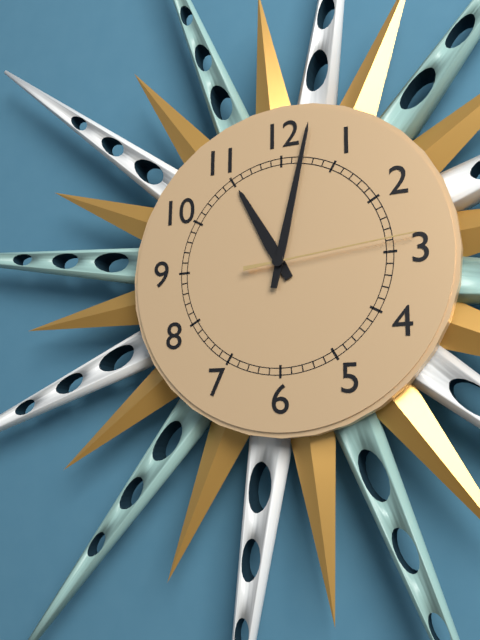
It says 11:02:14
